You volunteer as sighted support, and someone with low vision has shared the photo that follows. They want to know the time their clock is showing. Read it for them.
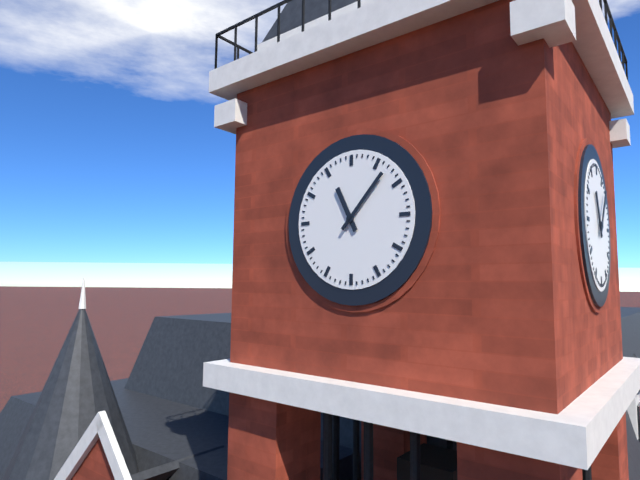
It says 11:07
